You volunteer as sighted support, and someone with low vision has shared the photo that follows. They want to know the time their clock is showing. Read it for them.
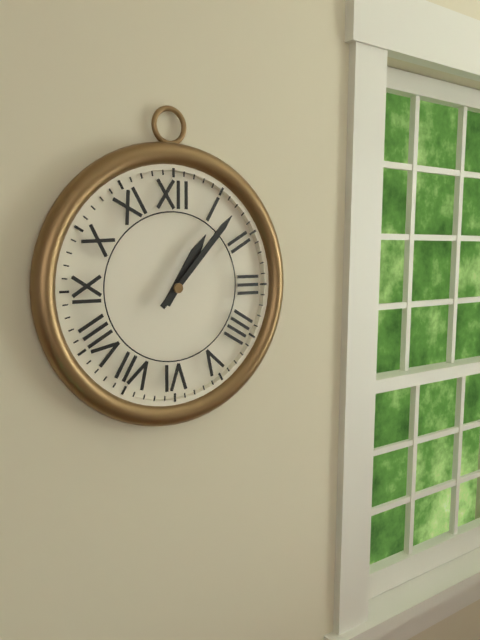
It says 1:07
